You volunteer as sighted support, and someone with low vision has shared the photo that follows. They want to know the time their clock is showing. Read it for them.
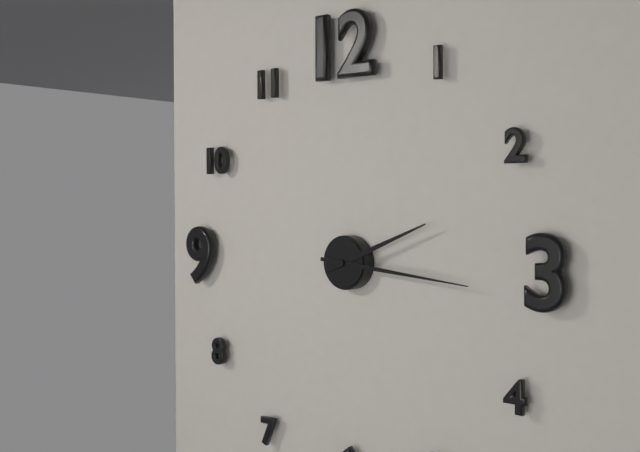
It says 2:16
